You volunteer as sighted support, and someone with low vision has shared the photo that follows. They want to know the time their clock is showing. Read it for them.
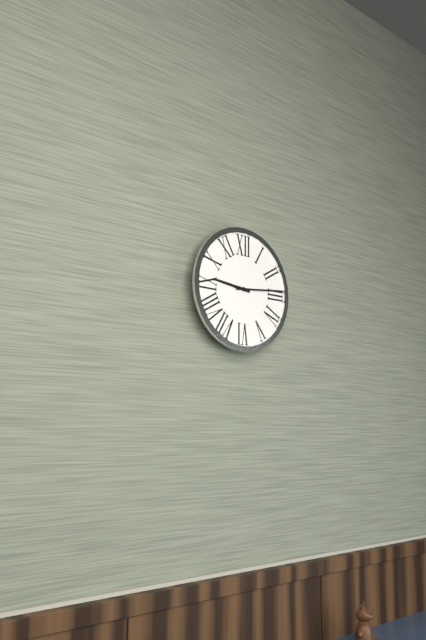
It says 9:14
